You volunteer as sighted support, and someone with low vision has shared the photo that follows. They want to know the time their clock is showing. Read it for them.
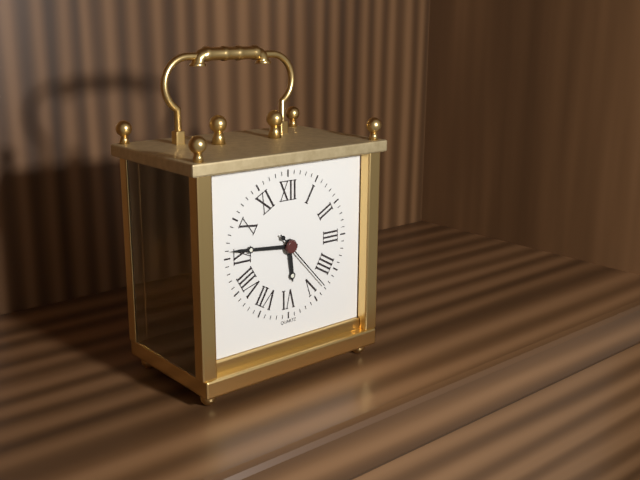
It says 5:46:23
